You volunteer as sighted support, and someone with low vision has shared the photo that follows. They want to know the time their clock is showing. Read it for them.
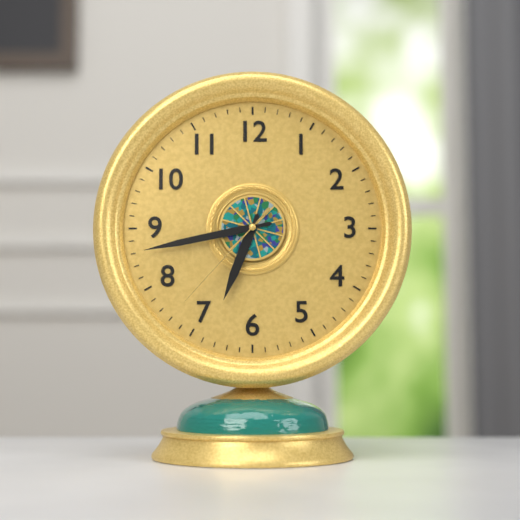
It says 6:43:37
